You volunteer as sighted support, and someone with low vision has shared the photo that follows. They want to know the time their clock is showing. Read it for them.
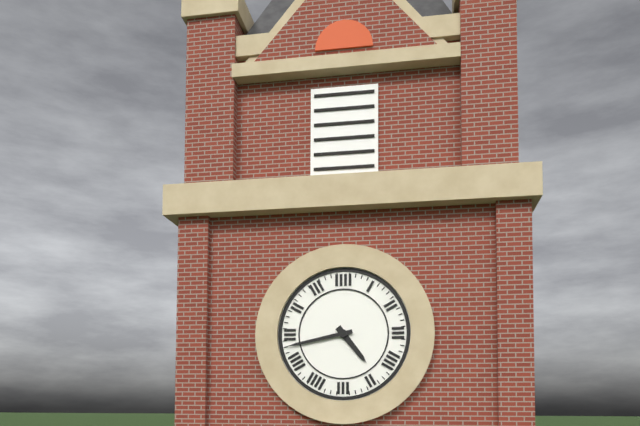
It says 4:43
